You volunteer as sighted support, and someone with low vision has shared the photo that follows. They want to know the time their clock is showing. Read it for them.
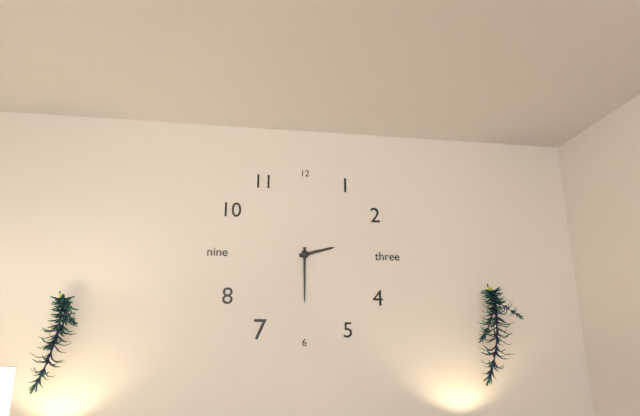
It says 2:30
